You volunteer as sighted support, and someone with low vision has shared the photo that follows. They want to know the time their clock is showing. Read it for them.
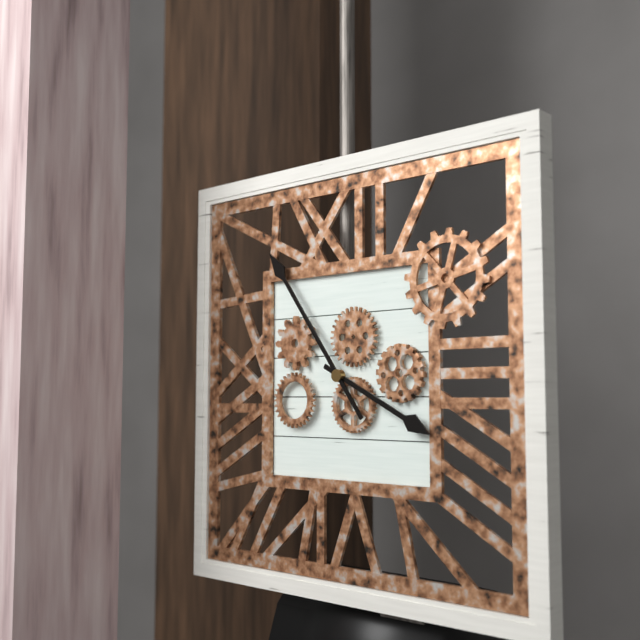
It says 3:54
